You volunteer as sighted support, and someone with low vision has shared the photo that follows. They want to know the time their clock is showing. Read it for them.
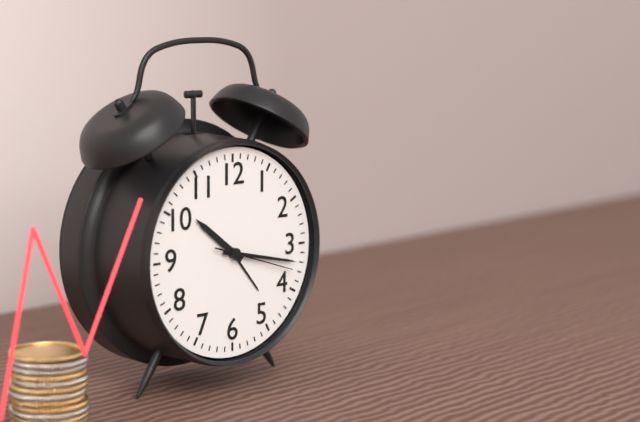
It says 10:17:18
